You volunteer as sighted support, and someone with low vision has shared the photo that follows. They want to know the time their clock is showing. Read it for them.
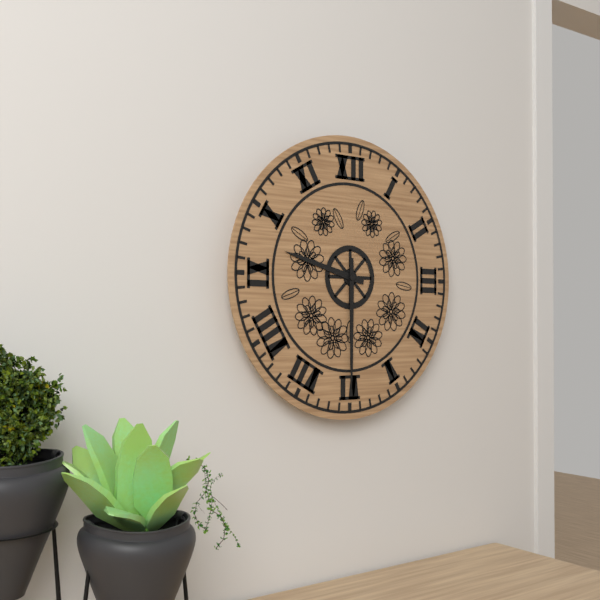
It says 9:30
